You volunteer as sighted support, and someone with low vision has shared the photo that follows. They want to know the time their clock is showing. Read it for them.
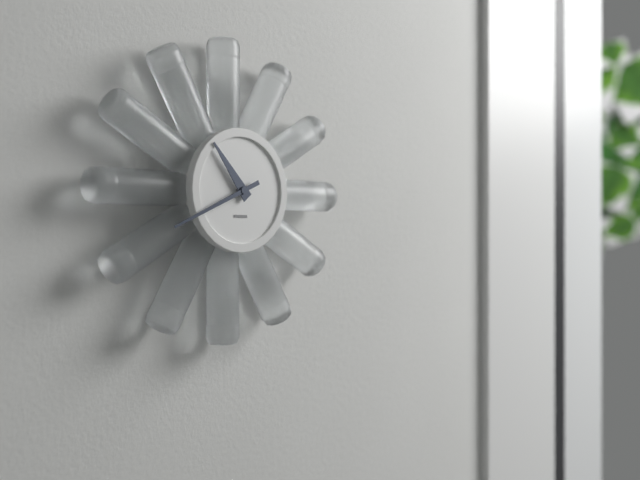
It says 10:41
